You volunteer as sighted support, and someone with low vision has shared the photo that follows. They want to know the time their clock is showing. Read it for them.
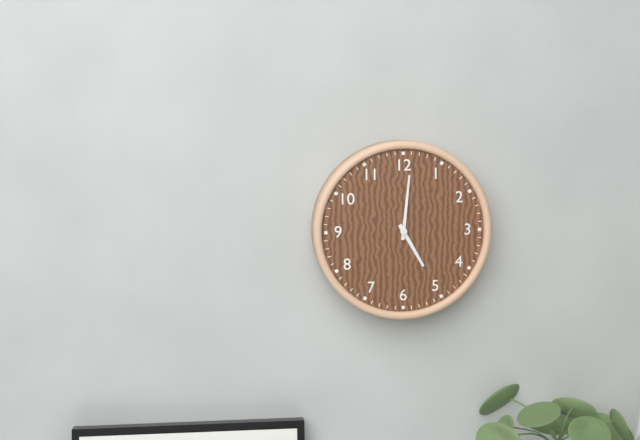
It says 5:01
